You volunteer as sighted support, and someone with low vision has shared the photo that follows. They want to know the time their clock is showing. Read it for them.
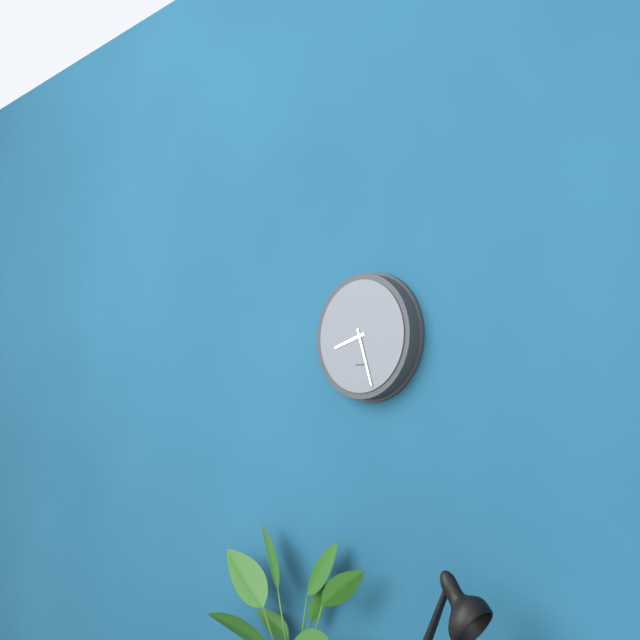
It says 8:27
